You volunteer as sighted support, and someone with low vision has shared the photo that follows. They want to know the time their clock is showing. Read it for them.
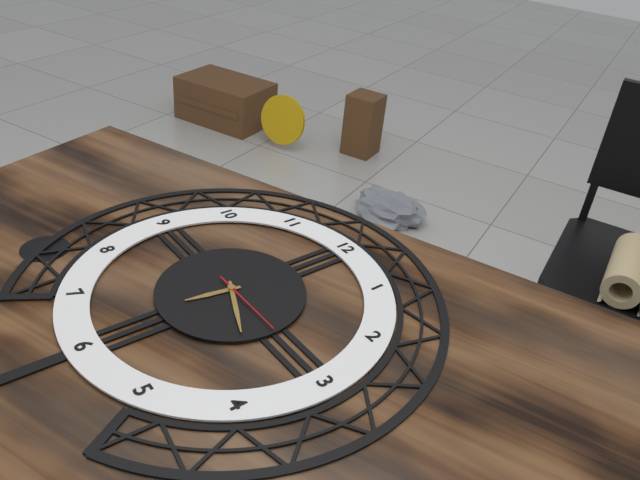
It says 6:19:15
